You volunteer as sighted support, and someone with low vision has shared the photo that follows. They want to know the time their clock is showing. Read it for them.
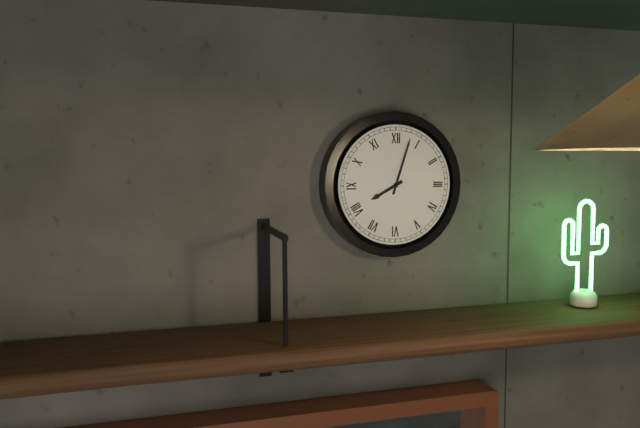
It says 8:03
